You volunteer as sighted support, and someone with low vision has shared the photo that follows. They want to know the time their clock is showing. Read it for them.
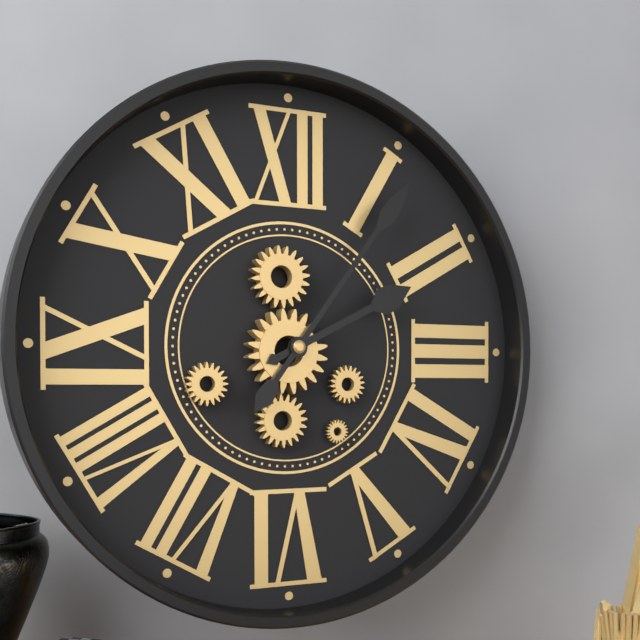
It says 2:06
